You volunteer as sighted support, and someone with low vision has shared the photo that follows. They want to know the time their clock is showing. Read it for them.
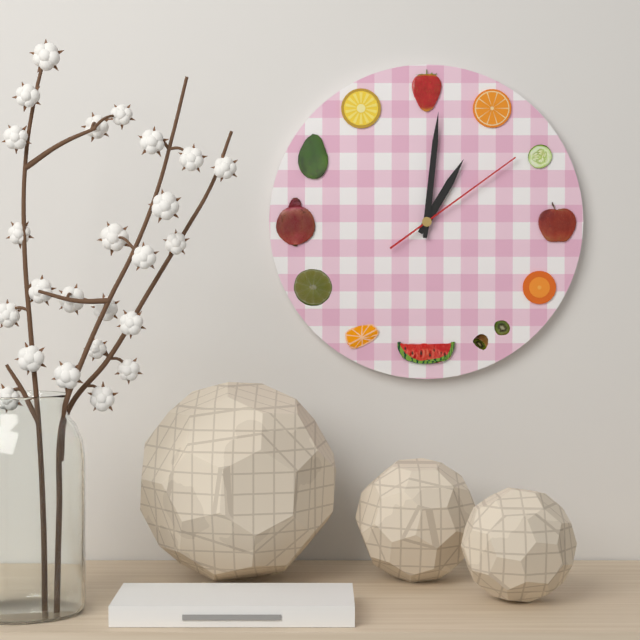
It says 1:01:09
